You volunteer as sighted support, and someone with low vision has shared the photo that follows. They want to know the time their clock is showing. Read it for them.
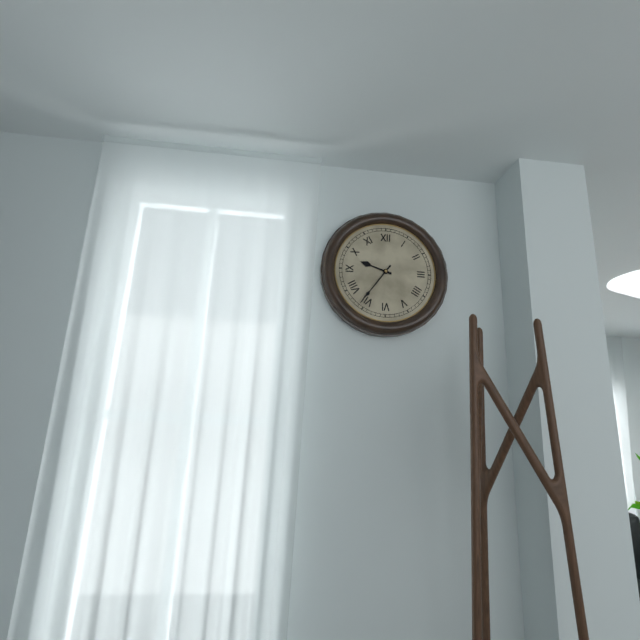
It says 9:36
